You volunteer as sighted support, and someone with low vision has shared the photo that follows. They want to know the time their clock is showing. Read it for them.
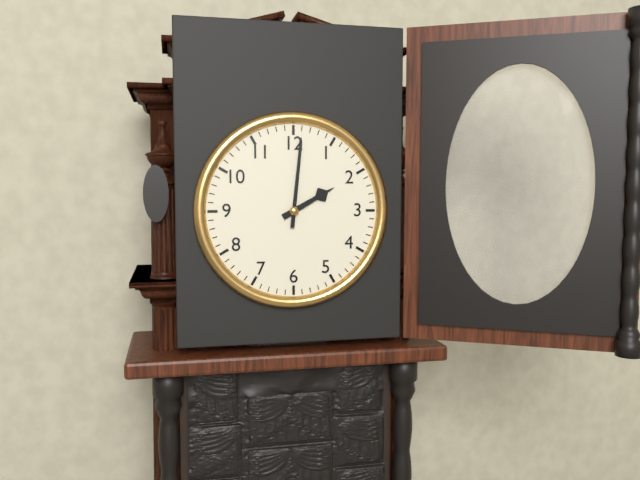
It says 2:01
